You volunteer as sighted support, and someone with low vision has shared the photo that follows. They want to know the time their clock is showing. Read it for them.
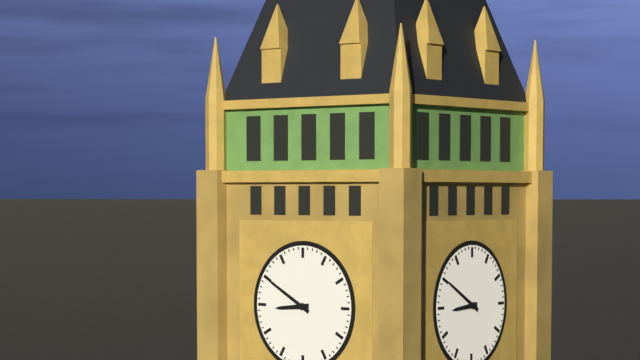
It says 8:50
